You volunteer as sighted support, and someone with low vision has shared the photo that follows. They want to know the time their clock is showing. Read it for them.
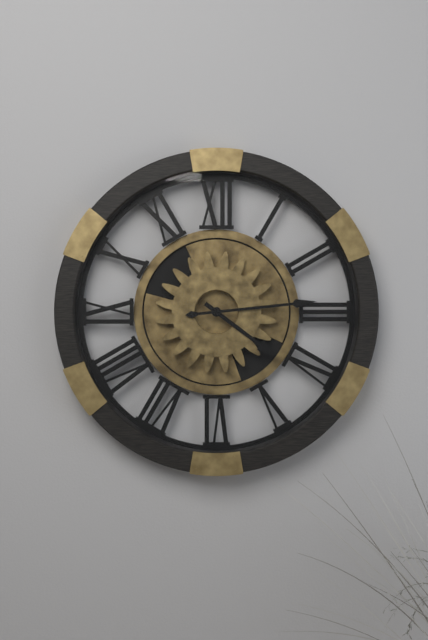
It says 4:14
